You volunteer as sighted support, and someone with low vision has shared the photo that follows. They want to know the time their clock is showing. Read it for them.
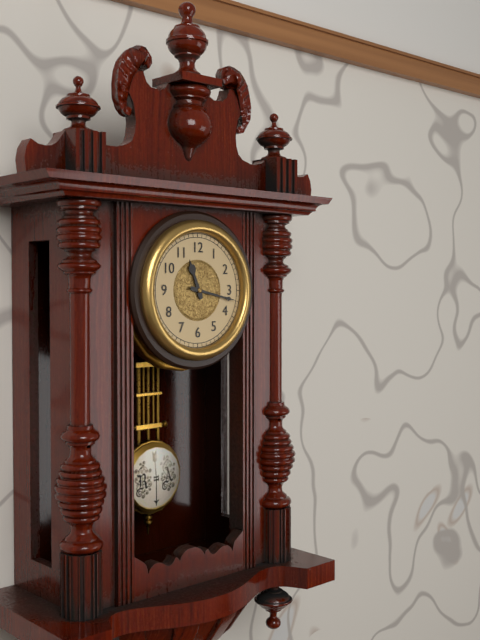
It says 11:17
